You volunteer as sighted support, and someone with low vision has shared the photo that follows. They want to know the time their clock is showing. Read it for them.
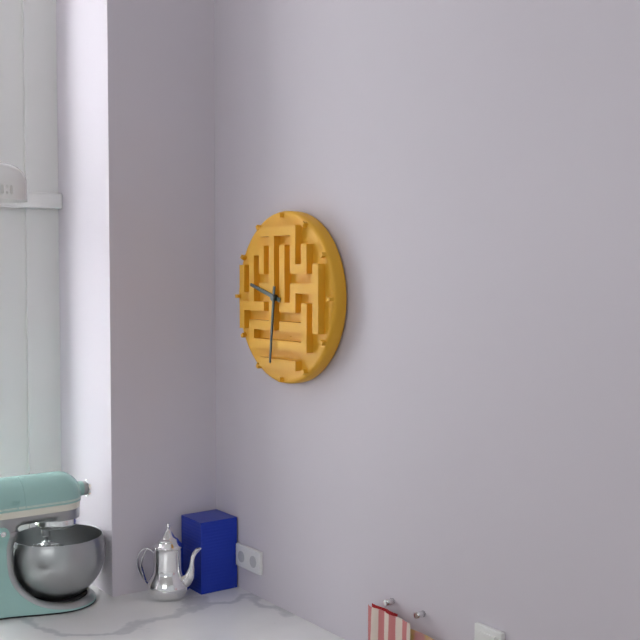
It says 9:31
